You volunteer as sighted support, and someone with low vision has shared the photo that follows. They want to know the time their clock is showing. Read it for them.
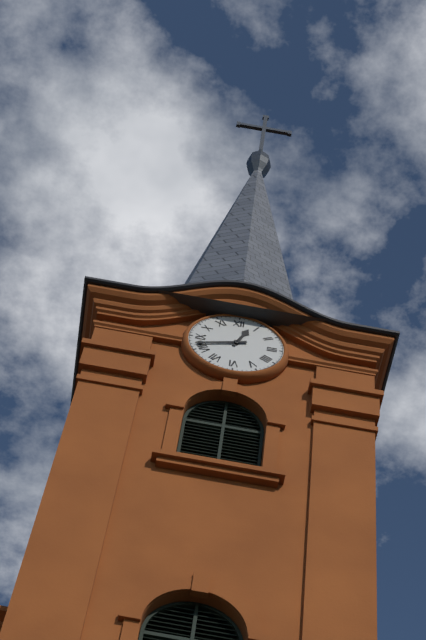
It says 12:42
